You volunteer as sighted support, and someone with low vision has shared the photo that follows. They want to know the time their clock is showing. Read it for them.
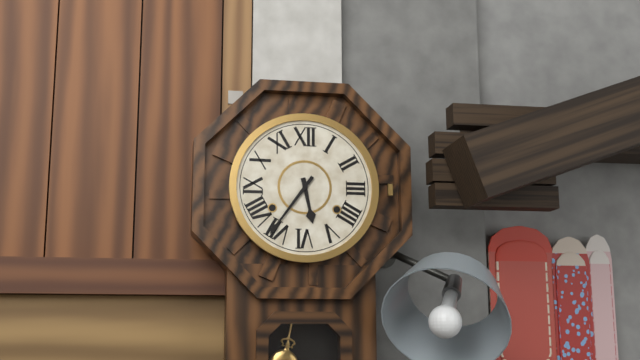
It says 5:36
